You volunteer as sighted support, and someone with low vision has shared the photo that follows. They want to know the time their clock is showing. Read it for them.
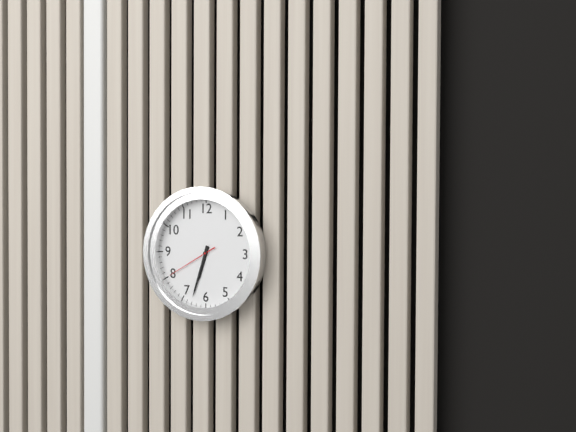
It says 6:33:40
